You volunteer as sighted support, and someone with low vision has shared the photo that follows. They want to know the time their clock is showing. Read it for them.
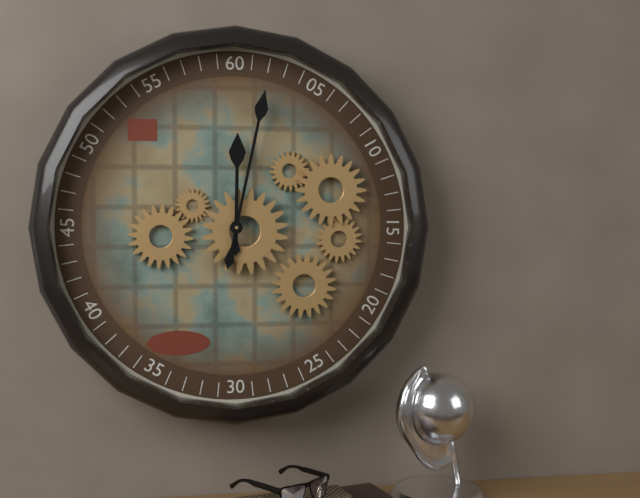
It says 12:02
